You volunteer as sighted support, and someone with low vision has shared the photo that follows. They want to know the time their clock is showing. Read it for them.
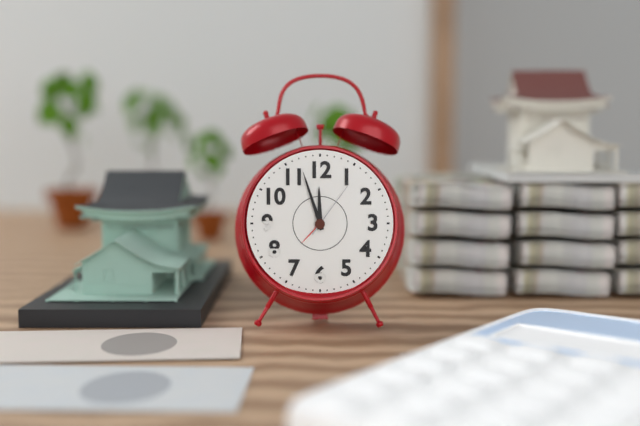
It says 11:57:06
